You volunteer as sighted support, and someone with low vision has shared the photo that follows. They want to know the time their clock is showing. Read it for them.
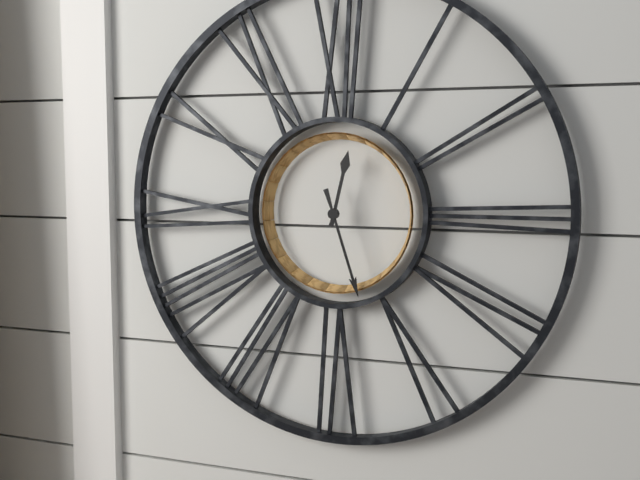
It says 12:27
